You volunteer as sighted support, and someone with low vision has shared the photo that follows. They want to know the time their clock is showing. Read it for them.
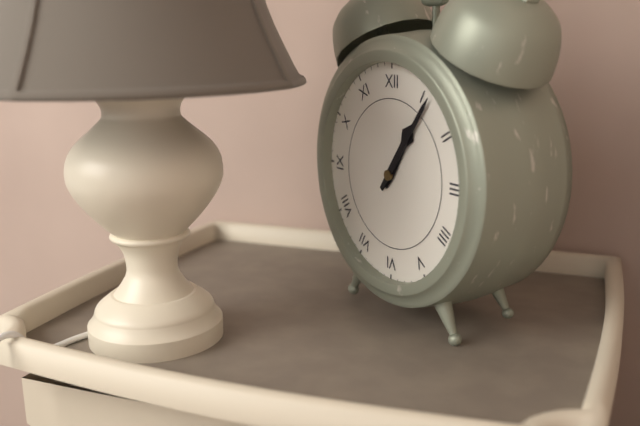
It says 1:06
